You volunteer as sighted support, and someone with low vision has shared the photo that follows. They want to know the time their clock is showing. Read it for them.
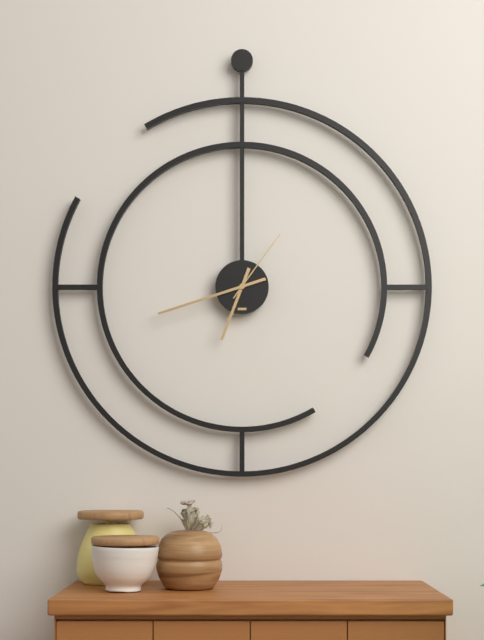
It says 6:42:06
